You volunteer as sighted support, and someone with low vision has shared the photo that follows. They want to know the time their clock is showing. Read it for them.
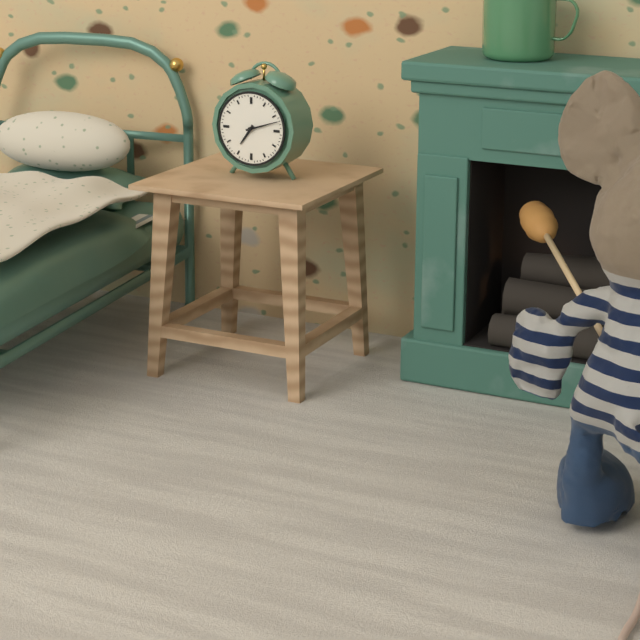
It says 7:12
